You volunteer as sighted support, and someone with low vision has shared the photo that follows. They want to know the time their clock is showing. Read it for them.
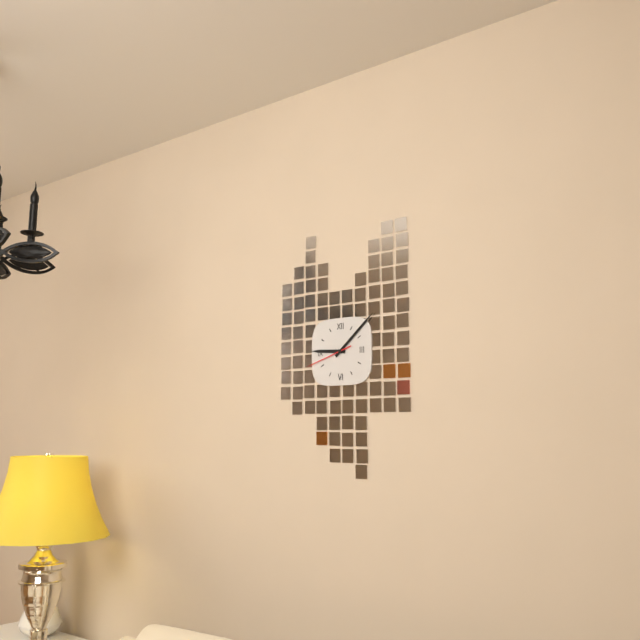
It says 9:08
